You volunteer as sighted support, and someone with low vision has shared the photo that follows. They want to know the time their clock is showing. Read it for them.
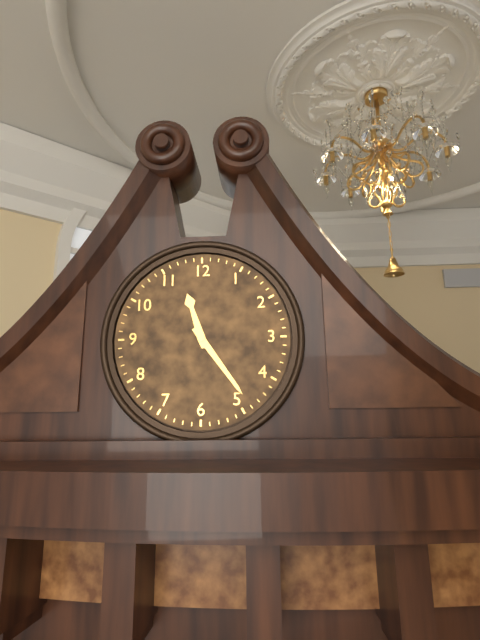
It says 11:24
